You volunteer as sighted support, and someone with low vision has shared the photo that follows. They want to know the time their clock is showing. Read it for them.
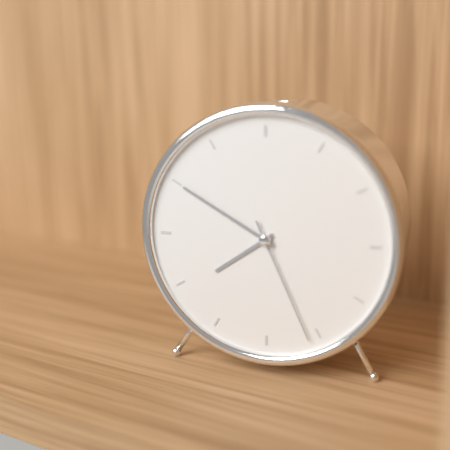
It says 7:50:26
